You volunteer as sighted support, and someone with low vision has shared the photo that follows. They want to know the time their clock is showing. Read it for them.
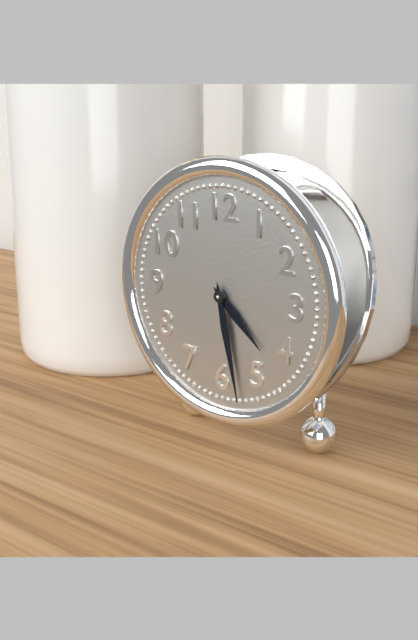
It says 4:28
